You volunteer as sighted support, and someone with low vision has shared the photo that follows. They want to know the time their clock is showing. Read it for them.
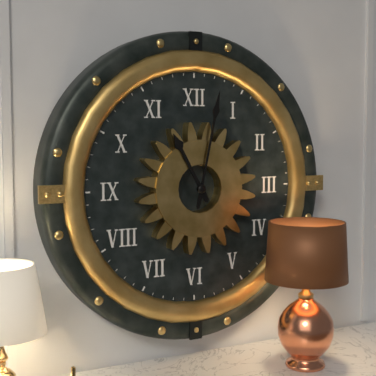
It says 11:02
